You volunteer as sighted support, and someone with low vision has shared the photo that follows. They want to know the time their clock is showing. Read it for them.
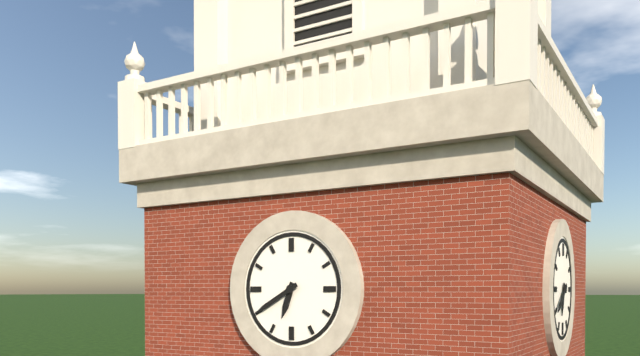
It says 6:40
